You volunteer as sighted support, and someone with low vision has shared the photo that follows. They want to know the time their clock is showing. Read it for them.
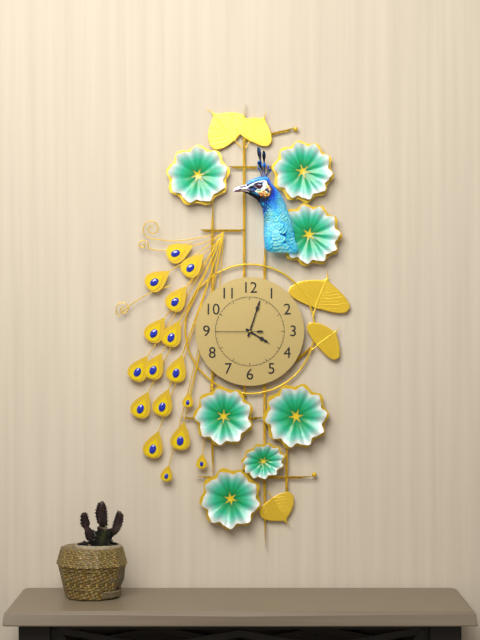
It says 4:03
